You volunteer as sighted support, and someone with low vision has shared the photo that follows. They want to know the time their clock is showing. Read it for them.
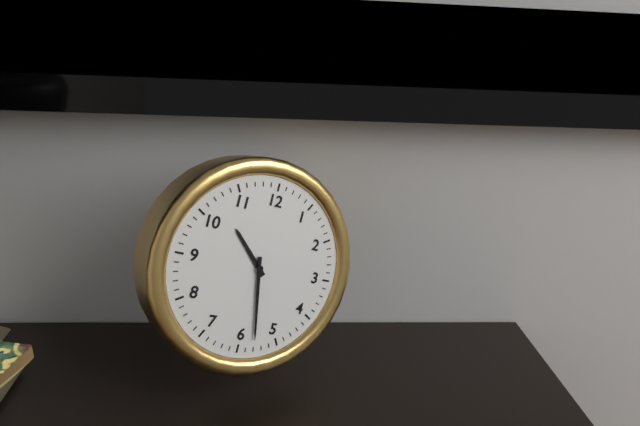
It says 10:28
